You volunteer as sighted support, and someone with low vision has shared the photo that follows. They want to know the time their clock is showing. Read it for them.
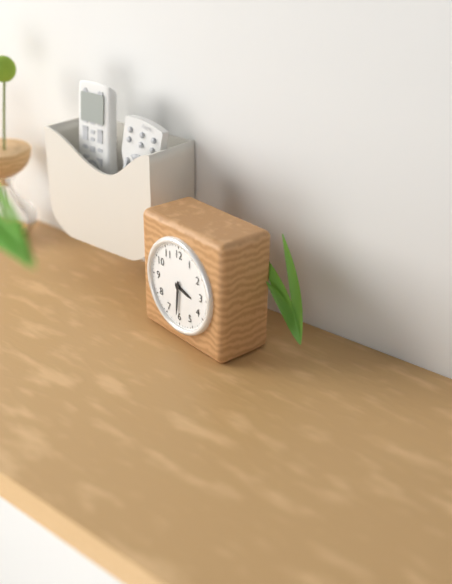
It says 3:31
